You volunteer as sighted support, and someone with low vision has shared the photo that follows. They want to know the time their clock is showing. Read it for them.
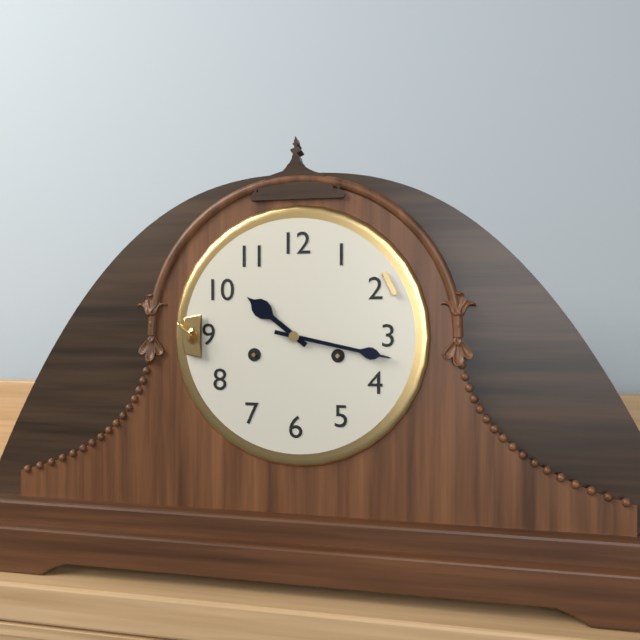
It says 10:17
